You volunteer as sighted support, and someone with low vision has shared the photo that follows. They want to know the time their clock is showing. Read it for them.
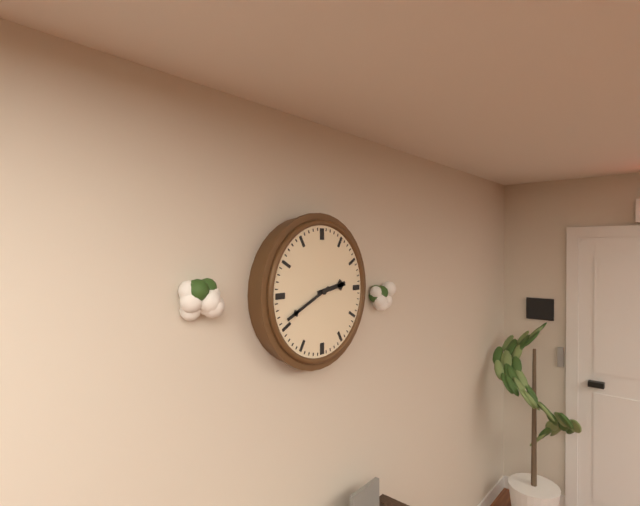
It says 2:41
